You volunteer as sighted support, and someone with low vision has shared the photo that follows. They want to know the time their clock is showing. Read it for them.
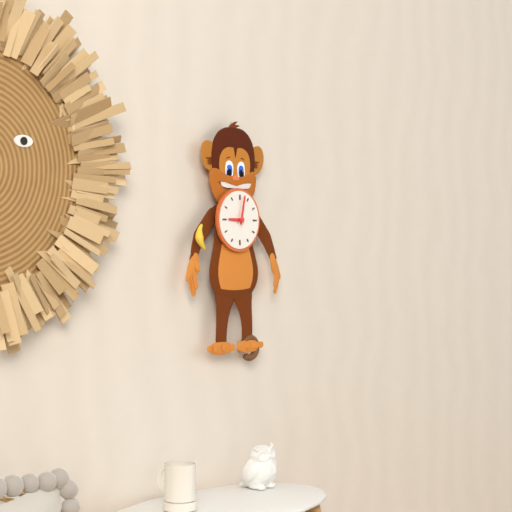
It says 9:02
